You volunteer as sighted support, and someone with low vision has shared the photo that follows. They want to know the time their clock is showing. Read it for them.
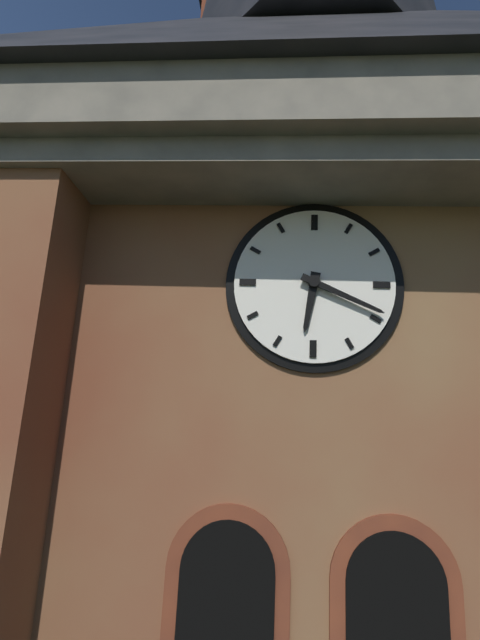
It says 6:19
